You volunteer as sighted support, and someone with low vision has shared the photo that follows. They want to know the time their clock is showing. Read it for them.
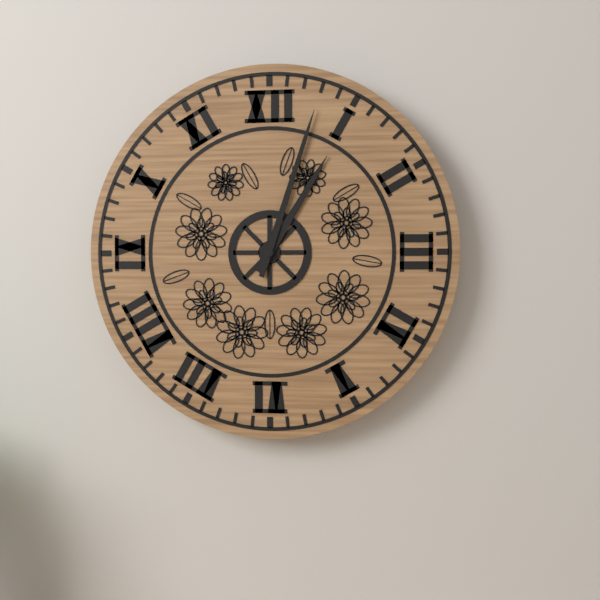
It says 1:03
